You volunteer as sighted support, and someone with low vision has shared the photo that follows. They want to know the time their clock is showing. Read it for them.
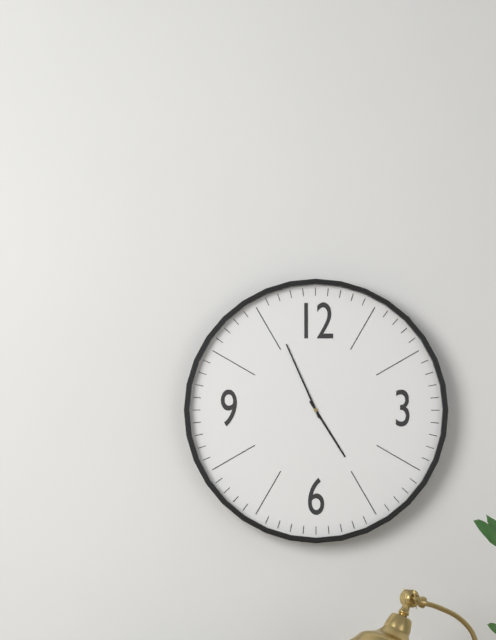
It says 4:56
